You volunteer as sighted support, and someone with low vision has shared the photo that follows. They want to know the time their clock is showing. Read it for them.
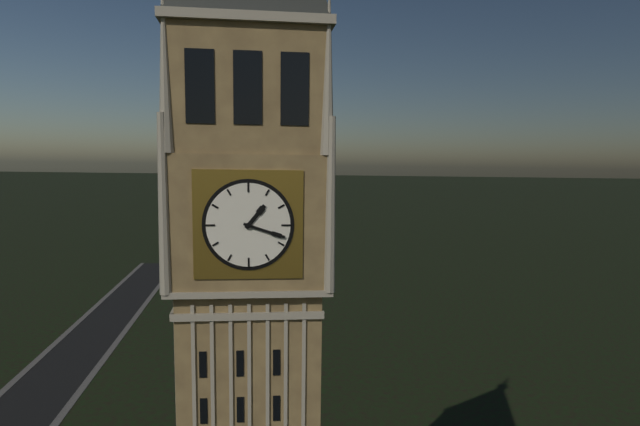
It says 1:18
